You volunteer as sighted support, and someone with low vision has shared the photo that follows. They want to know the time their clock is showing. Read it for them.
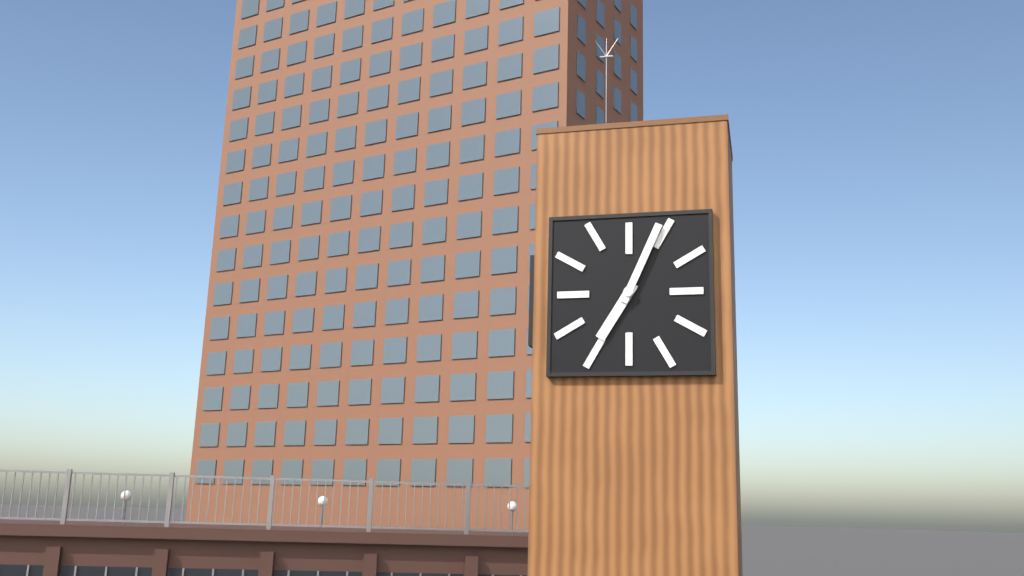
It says 7:04
